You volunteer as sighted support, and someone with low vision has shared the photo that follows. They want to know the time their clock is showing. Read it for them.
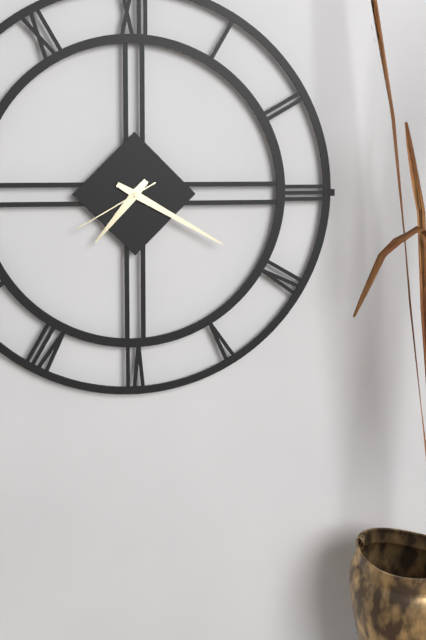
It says 7:20:40
